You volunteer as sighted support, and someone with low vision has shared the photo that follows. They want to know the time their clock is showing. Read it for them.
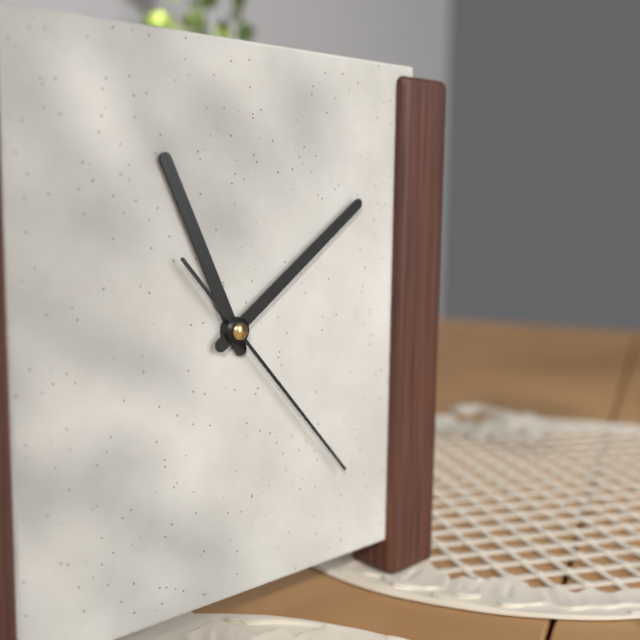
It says 11:09:23
